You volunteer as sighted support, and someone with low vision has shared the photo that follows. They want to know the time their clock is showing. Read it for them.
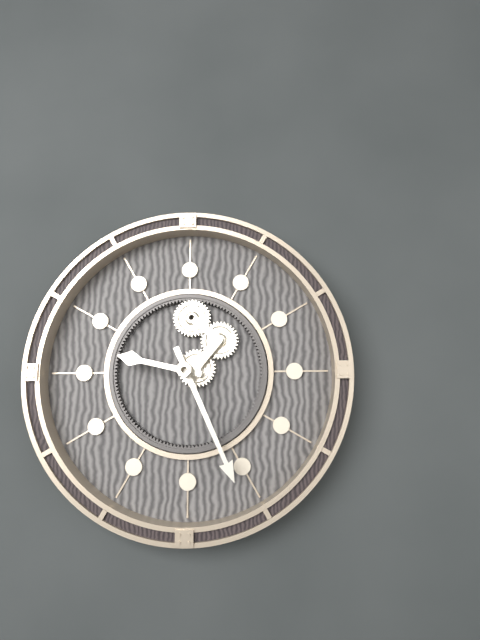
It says 9:26
